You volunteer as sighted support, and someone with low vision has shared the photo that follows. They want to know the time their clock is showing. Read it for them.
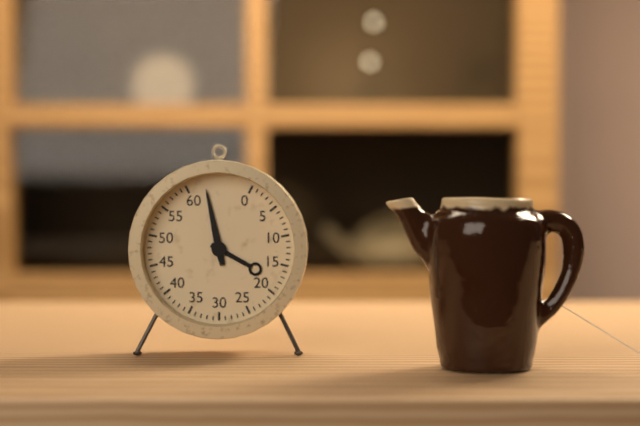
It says 3:58
